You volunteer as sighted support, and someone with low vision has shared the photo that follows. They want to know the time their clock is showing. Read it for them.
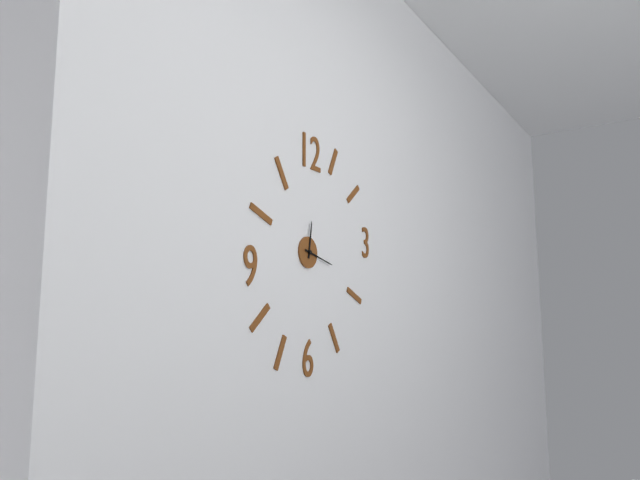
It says 12:17
